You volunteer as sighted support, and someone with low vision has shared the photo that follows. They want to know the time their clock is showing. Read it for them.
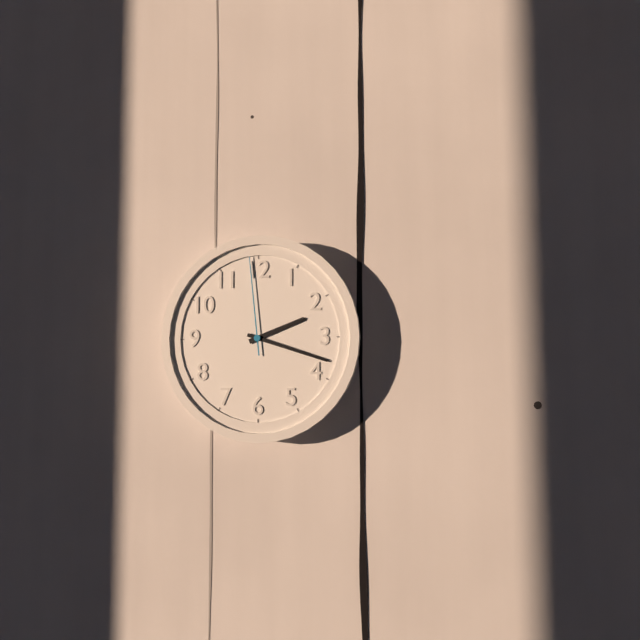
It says 2:18:59
